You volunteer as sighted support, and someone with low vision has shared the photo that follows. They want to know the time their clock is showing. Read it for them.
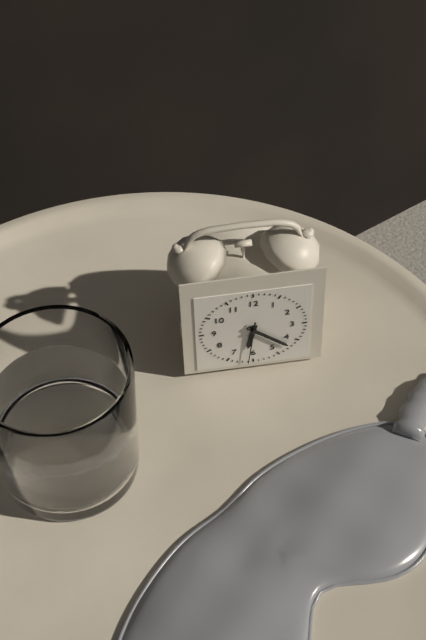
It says 6:22
